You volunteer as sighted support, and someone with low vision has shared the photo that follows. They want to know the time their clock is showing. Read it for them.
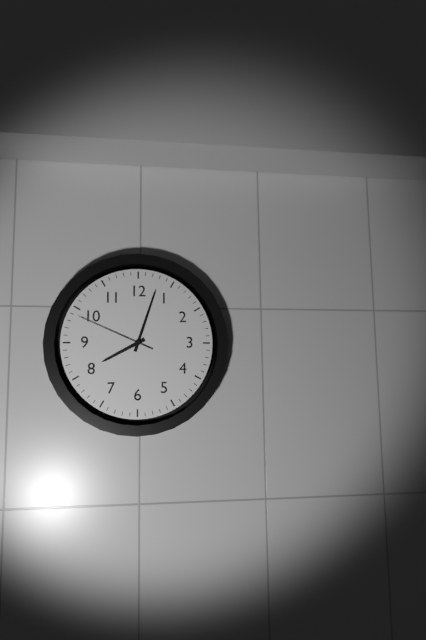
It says 8:03:49
